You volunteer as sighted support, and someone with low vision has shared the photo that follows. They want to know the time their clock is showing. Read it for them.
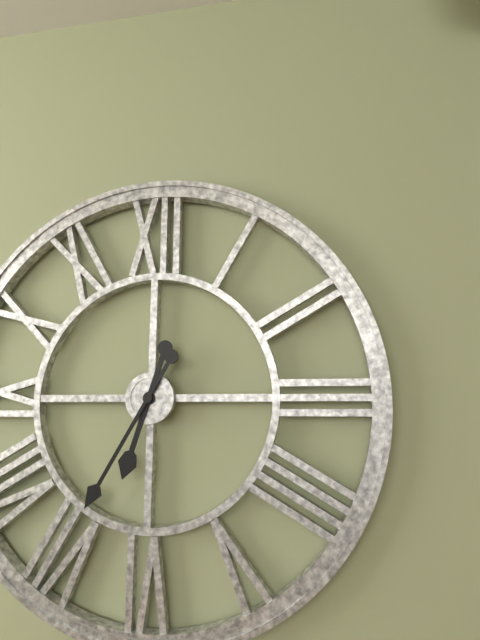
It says 6:35
